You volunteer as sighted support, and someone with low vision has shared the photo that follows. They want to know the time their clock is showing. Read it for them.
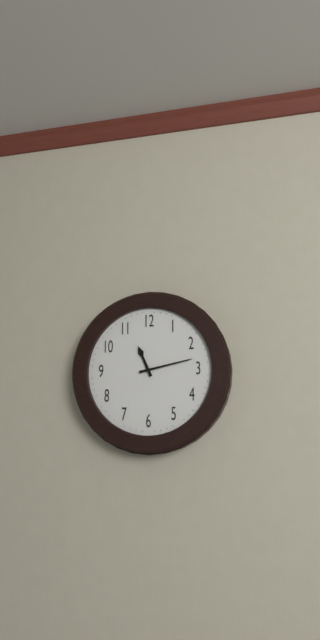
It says 11:13
